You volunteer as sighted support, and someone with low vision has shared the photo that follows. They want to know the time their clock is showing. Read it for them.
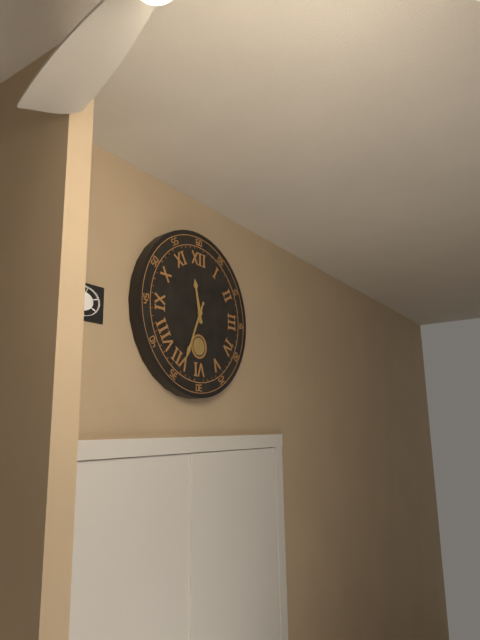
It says 11:34
